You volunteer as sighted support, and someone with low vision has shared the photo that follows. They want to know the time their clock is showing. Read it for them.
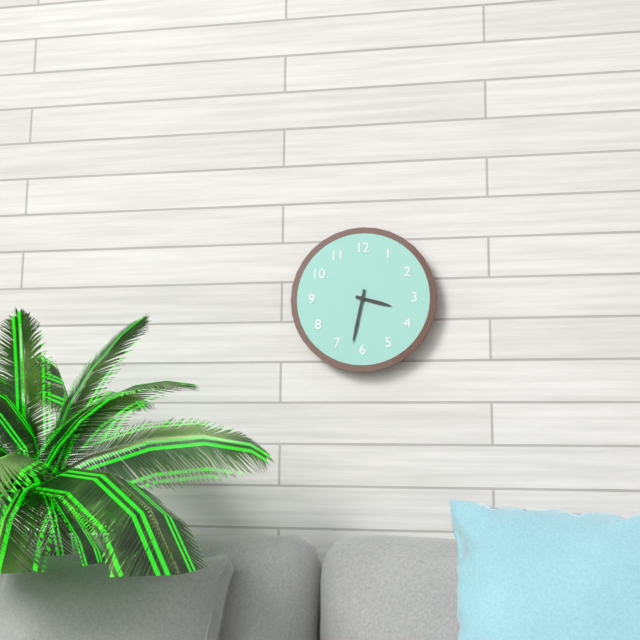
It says 3:32
